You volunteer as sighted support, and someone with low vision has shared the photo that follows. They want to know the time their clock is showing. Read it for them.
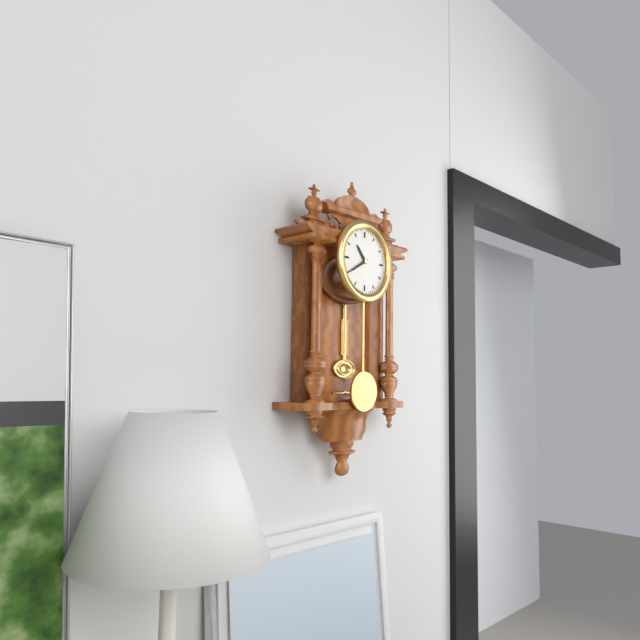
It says 10:40
